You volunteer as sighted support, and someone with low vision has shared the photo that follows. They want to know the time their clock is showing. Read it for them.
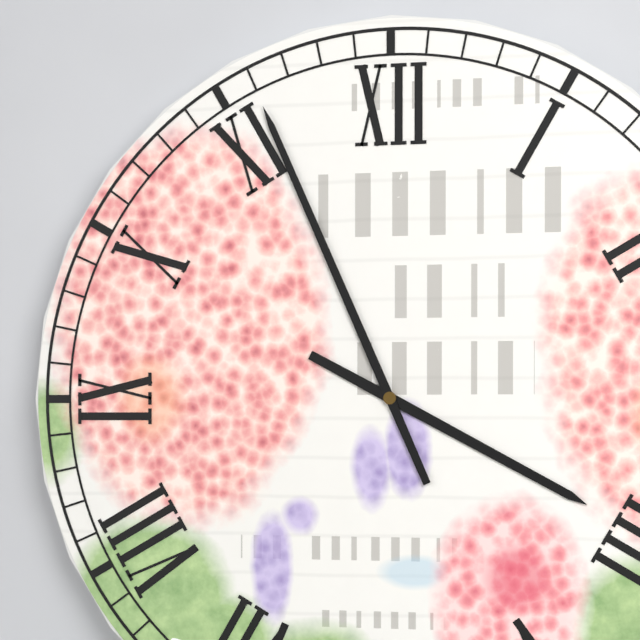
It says 3:56
